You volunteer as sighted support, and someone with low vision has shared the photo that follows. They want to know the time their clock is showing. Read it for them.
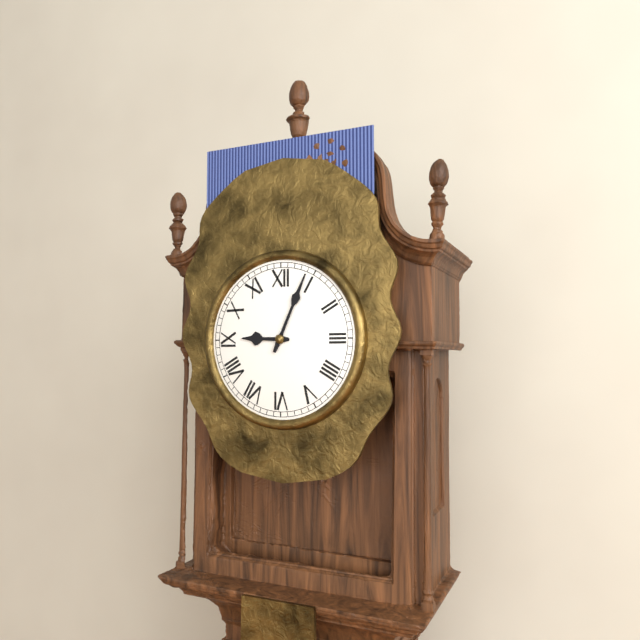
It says 9:04
